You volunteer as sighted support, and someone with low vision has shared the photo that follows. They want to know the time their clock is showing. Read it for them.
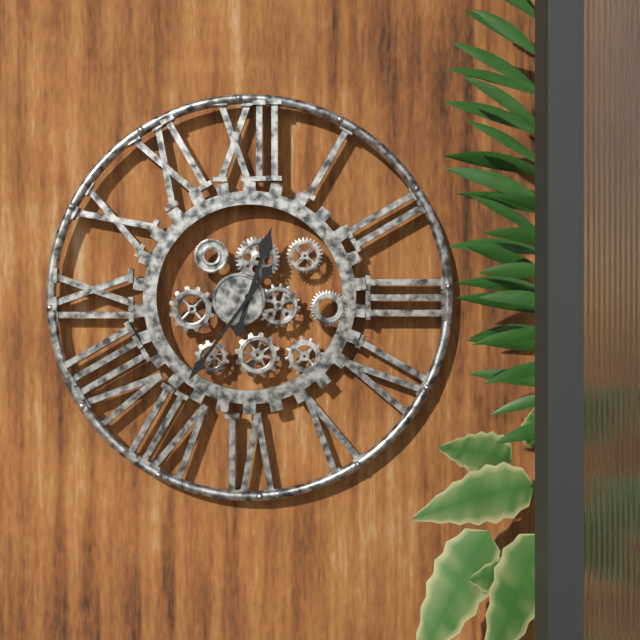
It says 12:36
